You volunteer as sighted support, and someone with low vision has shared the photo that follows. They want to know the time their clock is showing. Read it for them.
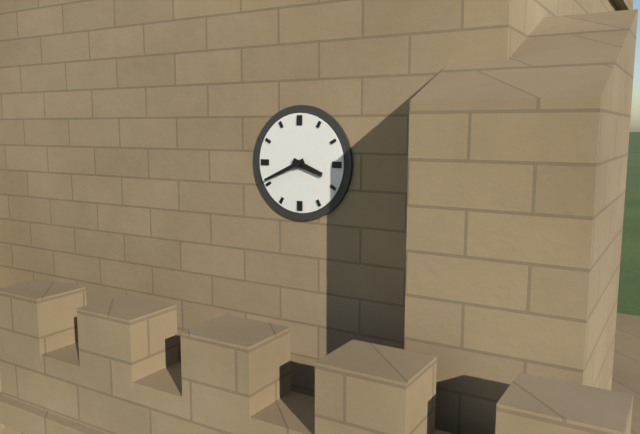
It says 3:41
